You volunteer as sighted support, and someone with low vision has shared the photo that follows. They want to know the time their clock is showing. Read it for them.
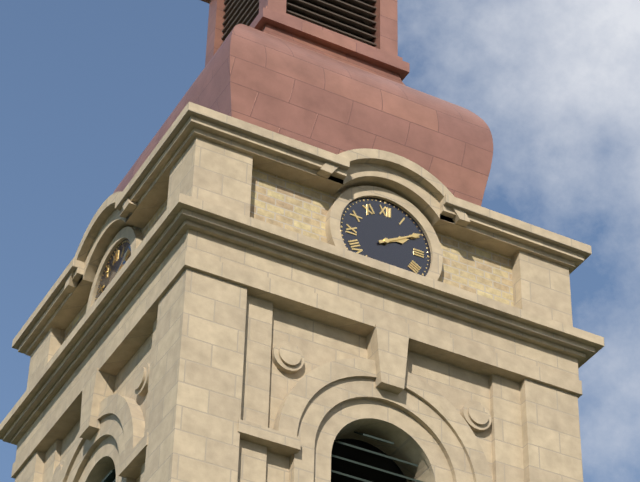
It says 2:10
